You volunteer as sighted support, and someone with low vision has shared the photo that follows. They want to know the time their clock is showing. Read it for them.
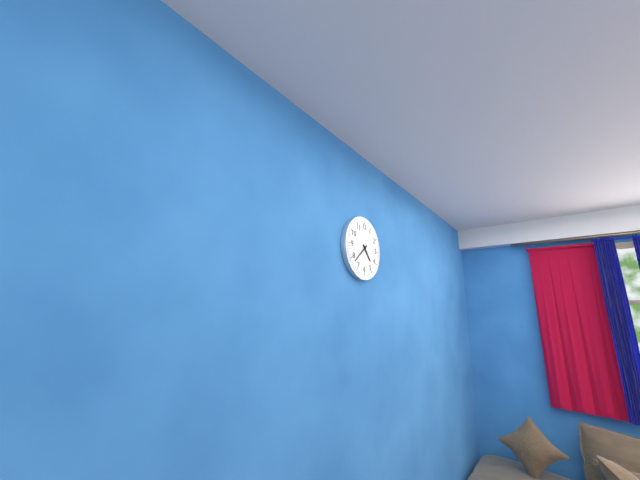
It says 4:38
